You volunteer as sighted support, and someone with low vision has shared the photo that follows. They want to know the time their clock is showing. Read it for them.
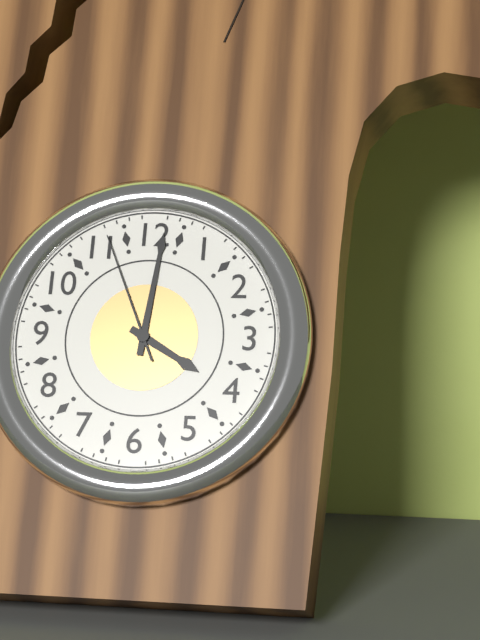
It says 4:01:56
